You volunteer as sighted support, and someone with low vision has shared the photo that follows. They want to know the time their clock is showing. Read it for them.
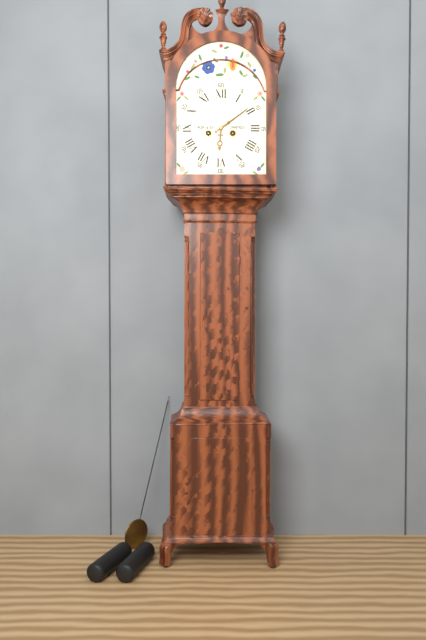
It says 6:09
